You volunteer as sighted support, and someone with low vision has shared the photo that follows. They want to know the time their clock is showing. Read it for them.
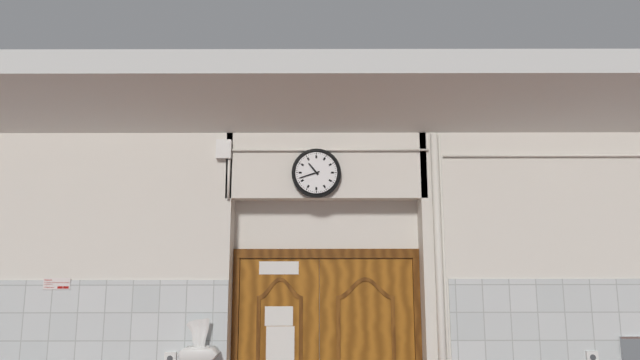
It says 10:42
